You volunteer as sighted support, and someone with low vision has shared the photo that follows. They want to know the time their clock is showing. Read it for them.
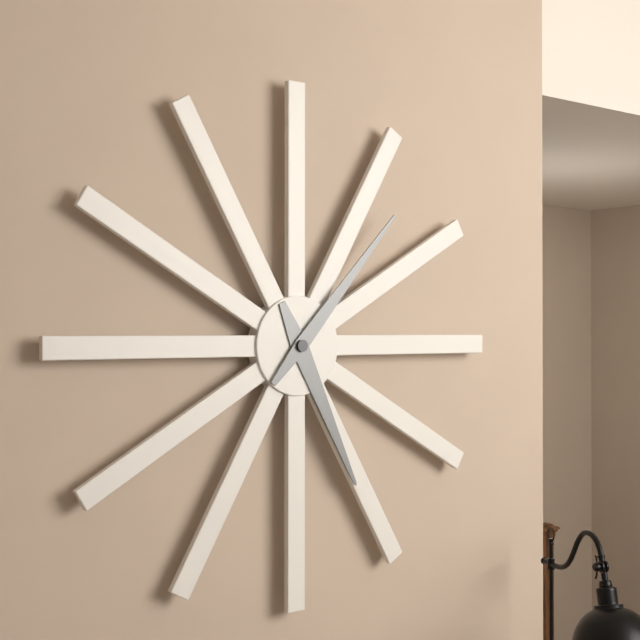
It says 5:07
